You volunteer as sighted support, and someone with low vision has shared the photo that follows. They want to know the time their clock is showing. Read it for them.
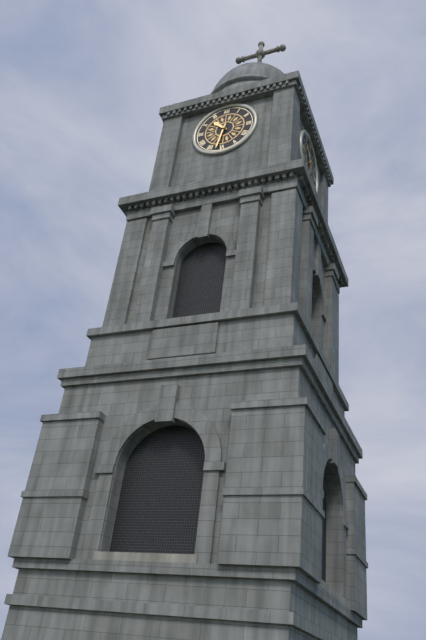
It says 10:32
